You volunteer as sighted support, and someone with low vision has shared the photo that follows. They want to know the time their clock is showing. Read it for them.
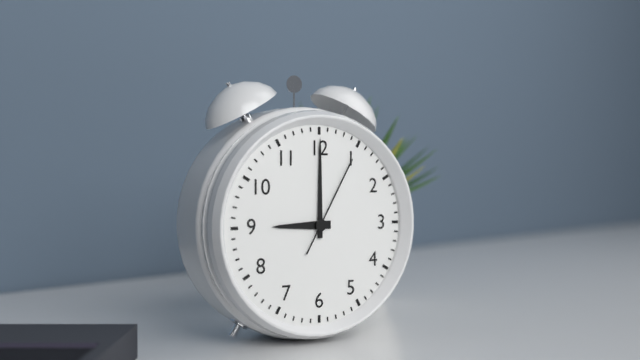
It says 9:00:05
